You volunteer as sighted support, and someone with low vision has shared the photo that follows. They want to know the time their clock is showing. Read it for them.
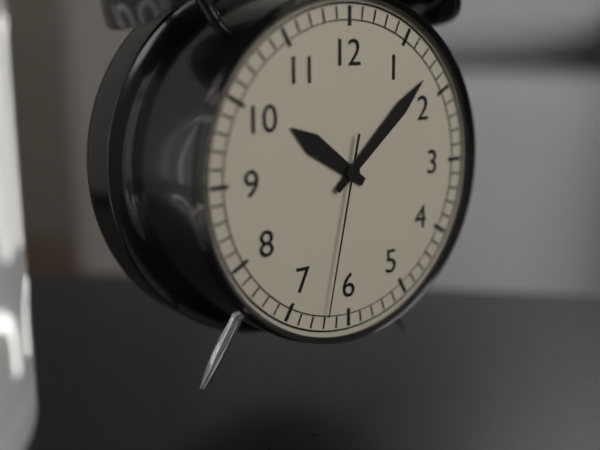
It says 10:08:32
